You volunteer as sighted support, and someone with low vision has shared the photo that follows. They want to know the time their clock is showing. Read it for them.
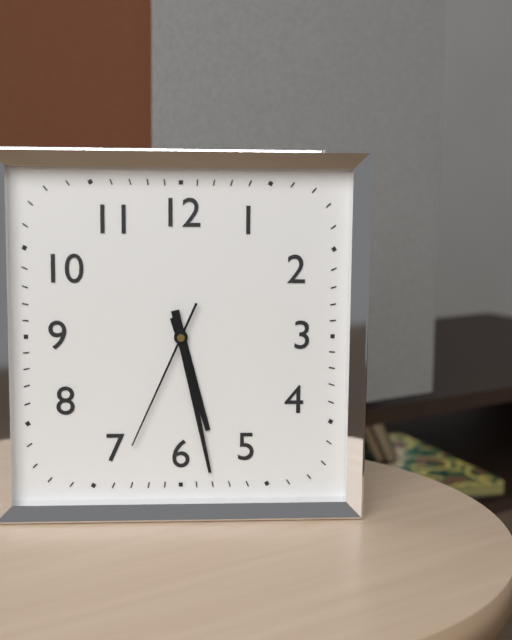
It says 5:28:34
